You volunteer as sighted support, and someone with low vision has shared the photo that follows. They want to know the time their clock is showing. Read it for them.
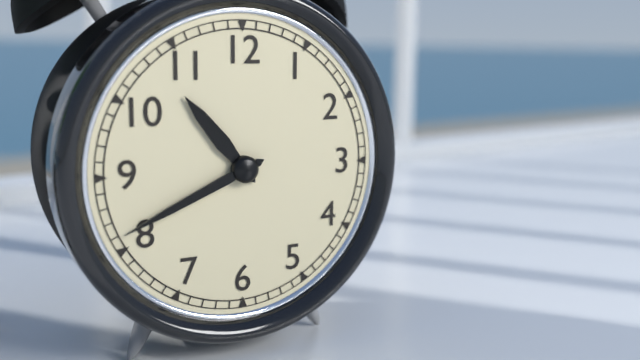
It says 10:41
